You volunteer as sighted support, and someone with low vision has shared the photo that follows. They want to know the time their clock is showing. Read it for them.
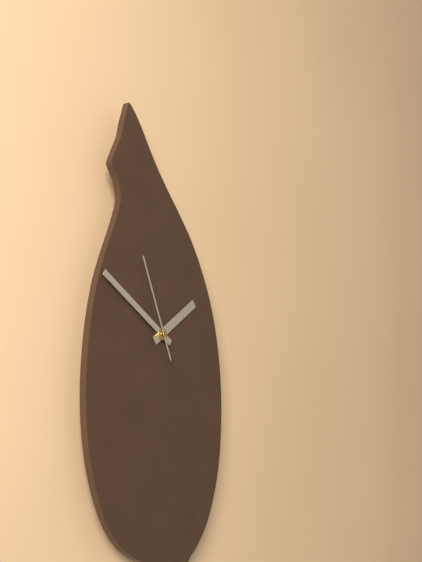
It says 1:50:56
